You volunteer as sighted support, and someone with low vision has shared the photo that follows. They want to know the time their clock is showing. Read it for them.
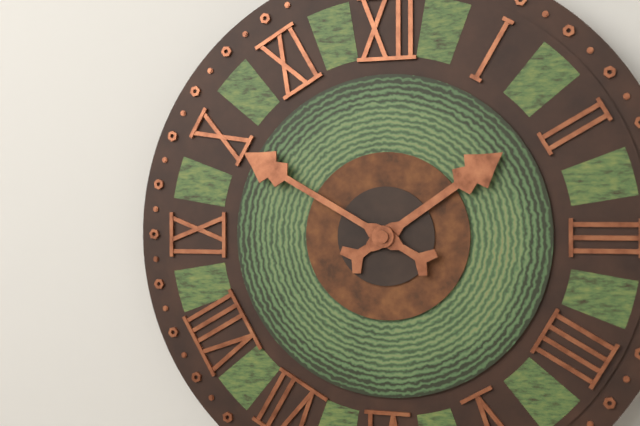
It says 1:50
